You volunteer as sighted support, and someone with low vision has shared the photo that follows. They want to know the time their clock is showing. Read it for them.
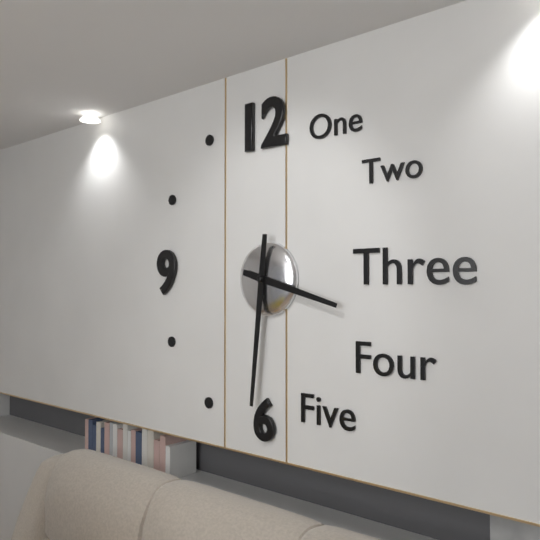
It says 3:31
